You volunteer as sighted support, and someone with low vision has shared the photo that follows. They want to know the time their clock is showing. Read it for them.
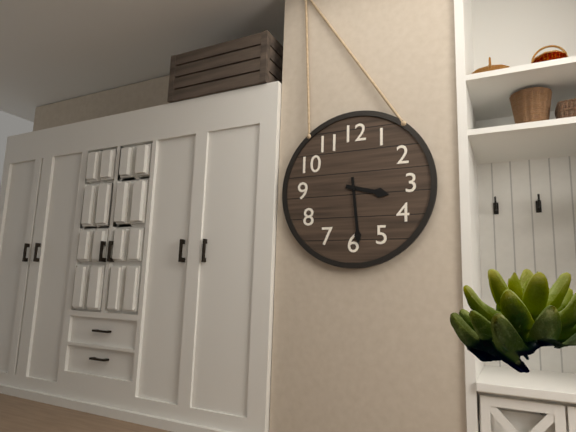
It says 3:29
